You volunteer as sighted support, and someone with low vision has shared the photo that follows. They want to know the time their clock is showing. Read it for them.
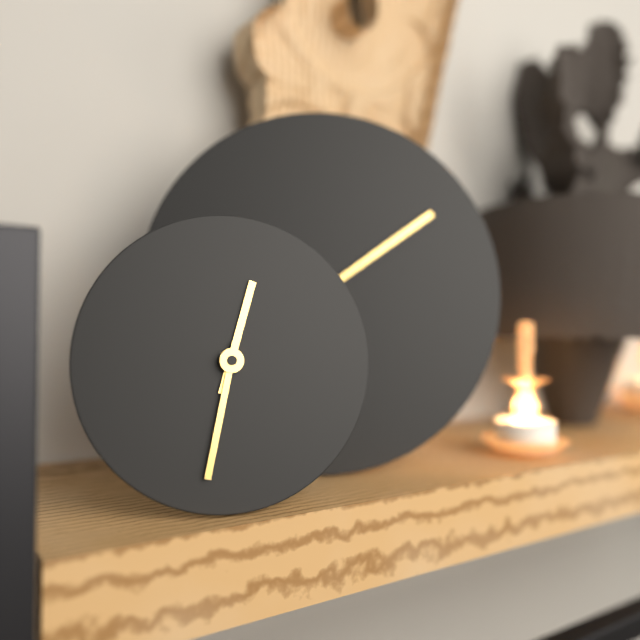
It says 12:32
